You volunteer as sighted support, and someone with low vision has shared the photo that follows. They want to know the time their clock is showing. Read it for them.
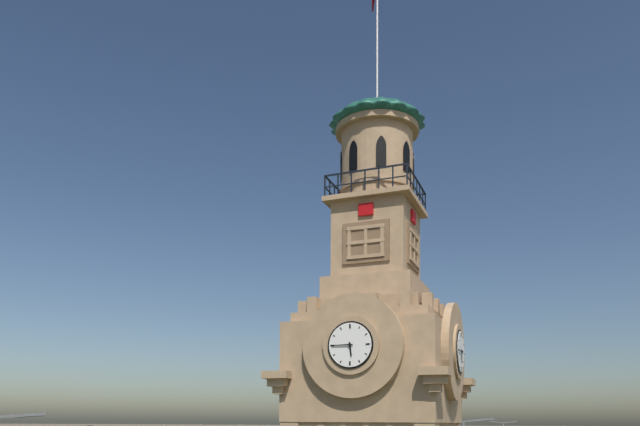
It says 5:45
